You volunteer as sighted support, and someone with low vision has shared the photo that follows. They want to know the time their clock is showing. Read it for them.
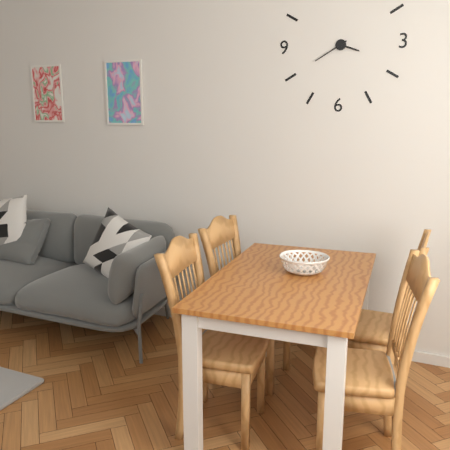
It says 3:40
